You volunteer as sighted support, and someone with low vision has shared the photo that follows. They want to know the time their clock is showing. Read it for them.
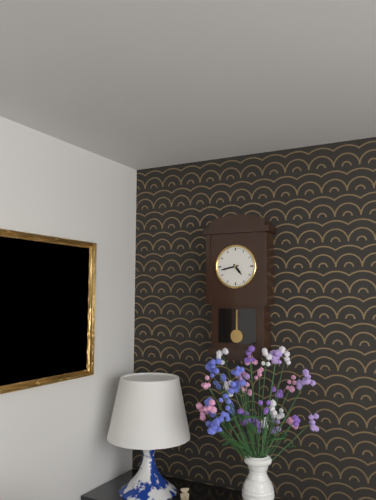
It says 4:43
